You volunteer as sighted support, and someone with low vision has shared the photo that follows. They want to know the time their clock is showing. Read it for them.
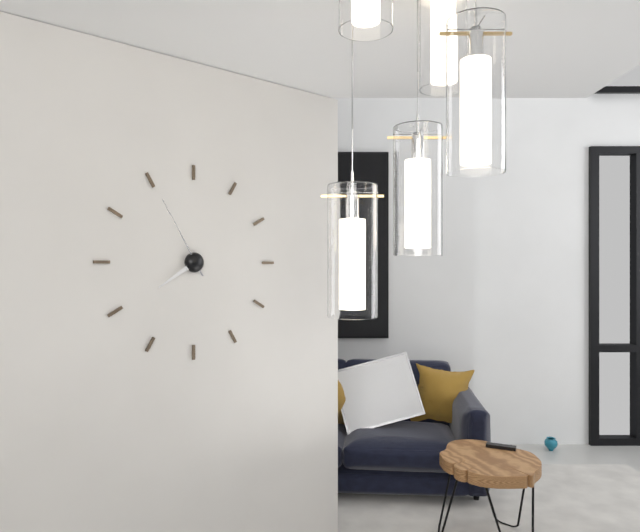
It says 7:55
